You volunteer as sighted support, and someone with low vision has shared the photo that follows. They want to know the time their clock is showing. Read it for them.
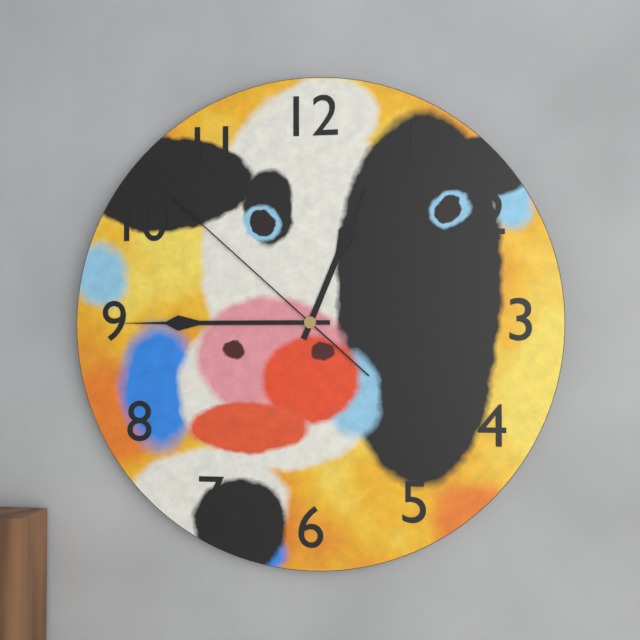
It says 12:45:52
